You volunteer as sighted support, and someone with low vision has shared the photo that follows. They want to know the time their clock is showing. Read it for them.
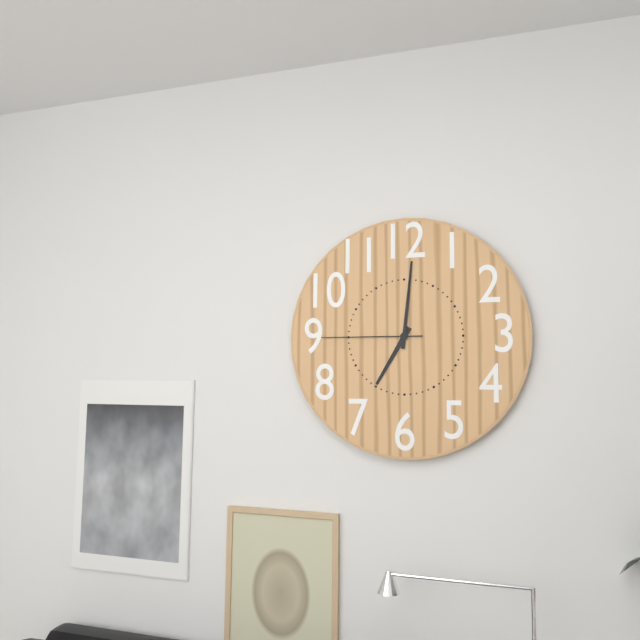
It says 7:01:45
